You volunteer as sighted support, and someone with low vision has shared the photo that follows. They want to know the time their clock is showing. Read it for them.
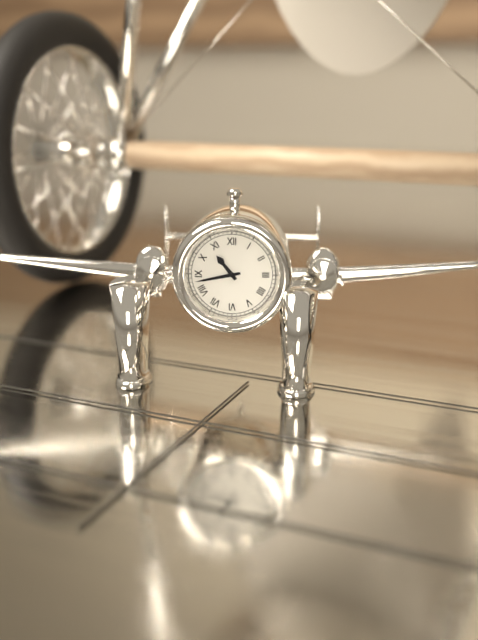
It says 10:43
